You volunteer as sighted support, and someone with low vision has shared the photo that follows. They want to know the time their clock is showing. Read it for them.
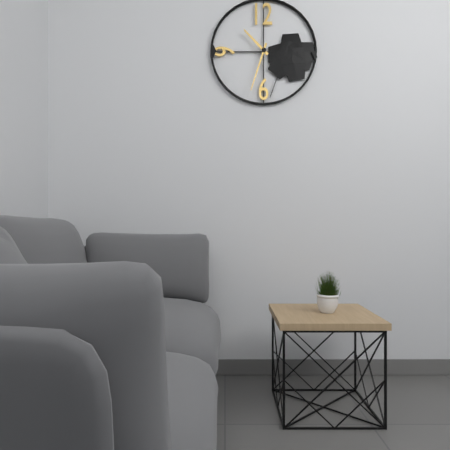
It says 10:33
